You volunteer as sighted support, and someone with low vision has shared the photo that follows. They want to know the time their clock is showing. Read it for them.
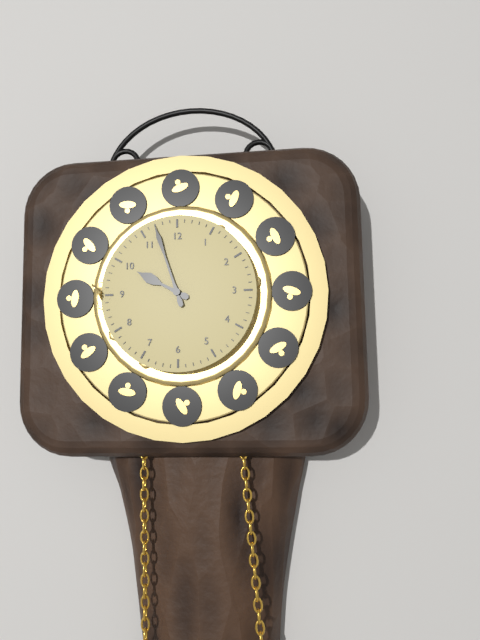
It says 9:57
